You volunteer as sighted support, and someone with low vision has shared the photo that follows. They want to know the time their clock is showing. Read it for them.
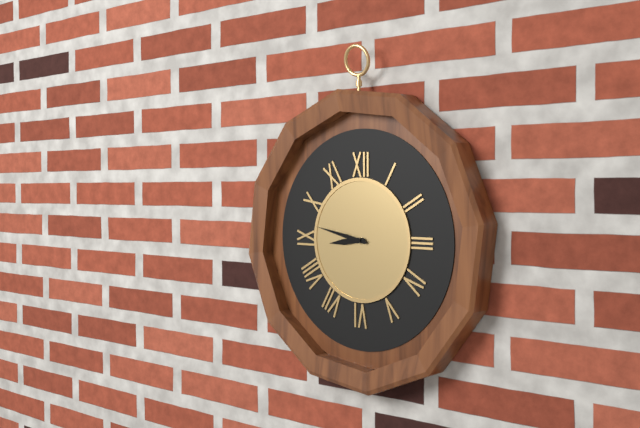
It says 8:47
